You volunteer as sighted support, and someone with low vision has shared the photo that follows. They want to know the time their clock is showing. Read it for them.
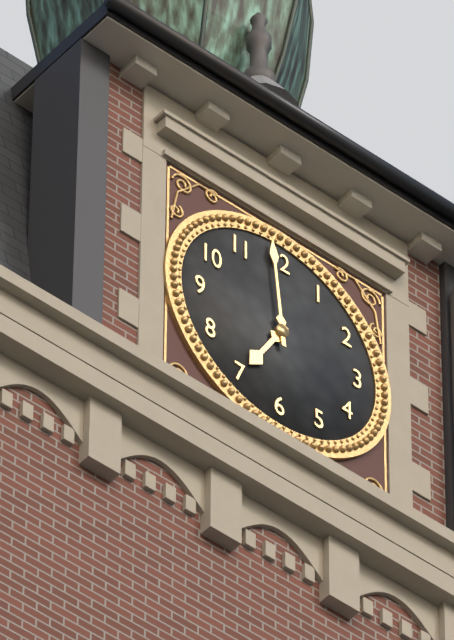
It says 6:59
